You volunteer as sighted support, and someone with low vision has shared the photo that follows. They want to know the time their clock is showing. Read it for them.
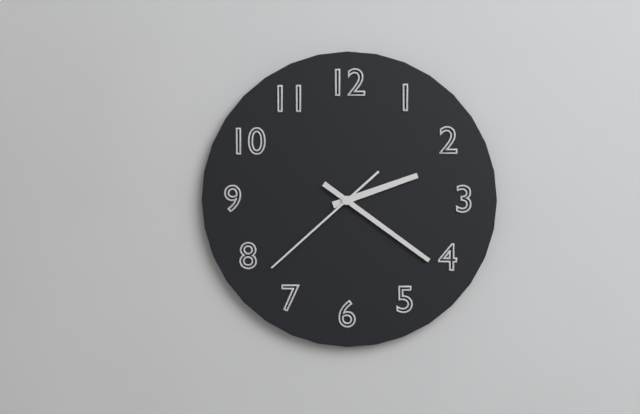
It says 2:21:38
